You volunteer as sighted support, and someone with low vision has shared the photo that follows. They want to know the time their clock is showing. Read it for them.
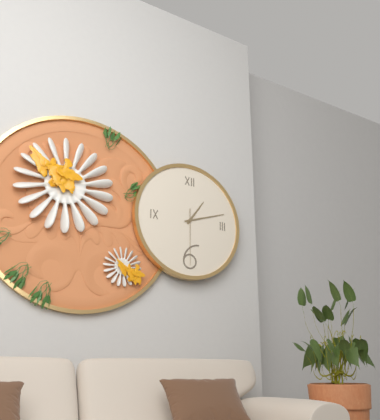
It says 1:12:30
